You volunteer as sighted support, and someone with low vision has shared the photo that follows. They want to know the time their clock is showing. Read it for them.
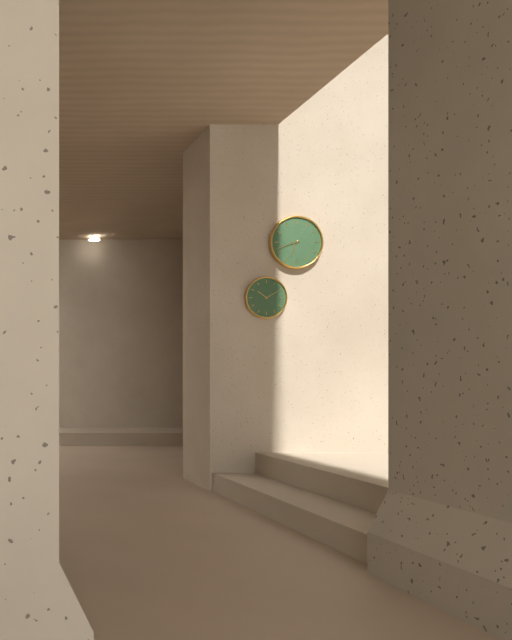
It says 6:42
